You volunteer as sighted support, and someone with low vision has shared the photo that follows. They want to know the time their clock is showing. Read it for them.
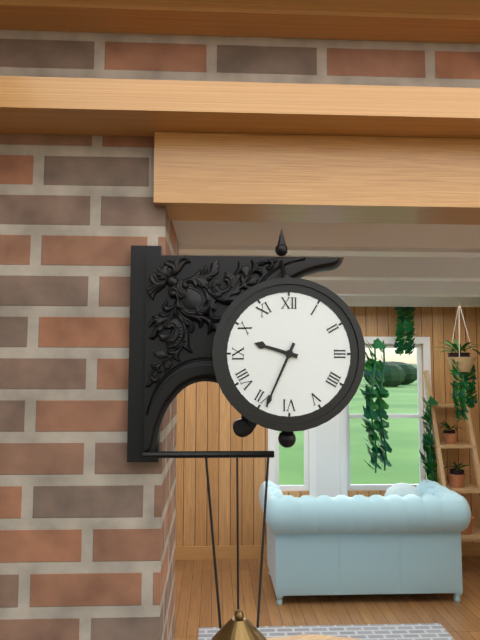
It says 9:34
